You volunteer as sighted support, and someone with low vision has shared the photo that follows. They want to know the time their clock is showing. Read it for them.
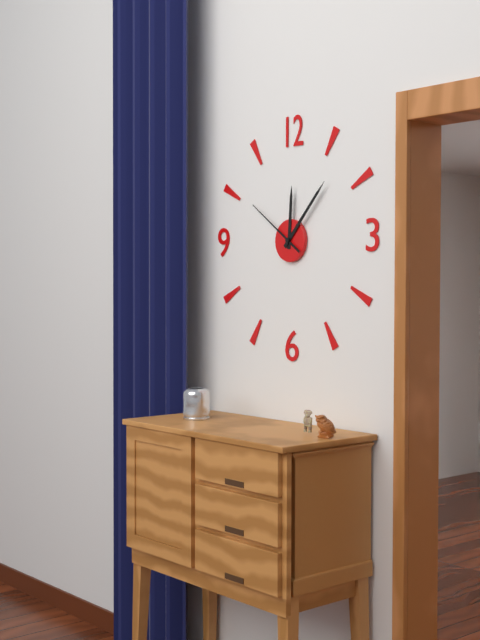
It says 12:07:51
